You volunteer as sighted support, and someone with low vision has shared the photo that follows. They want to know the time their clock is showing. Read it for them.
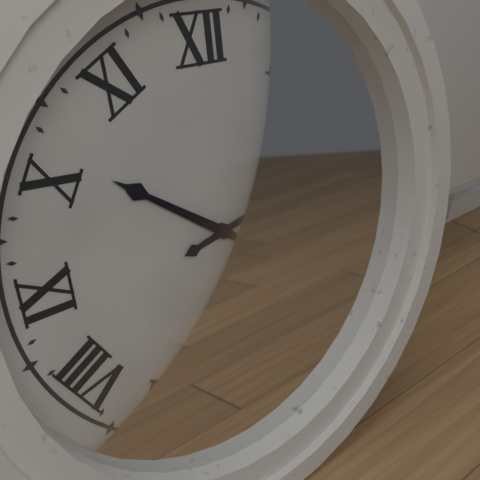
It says 10:13
